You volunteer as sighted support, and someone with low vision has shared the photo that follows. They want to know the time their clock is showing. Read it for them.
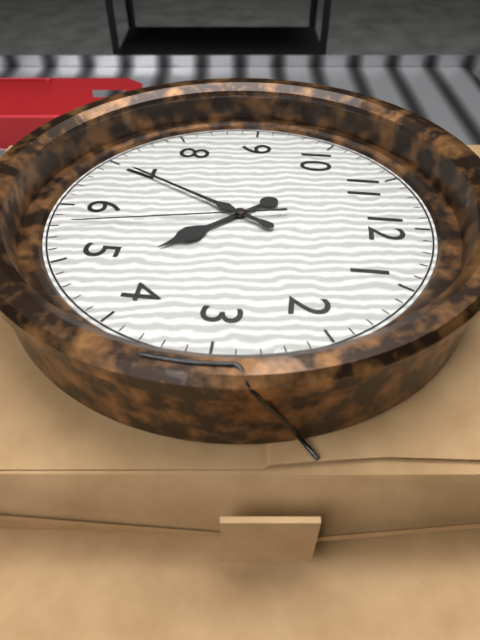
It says 4:35:28
